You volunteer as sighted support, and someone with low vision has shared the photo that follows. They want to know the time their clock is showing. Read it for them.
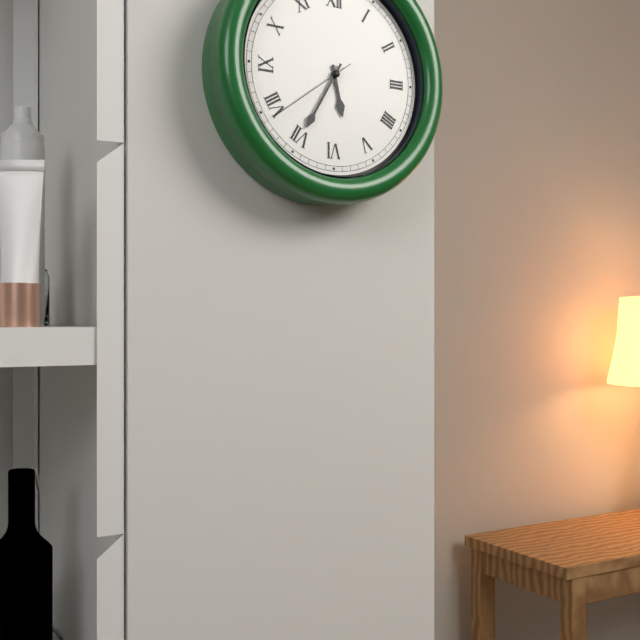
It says 5:35:39
